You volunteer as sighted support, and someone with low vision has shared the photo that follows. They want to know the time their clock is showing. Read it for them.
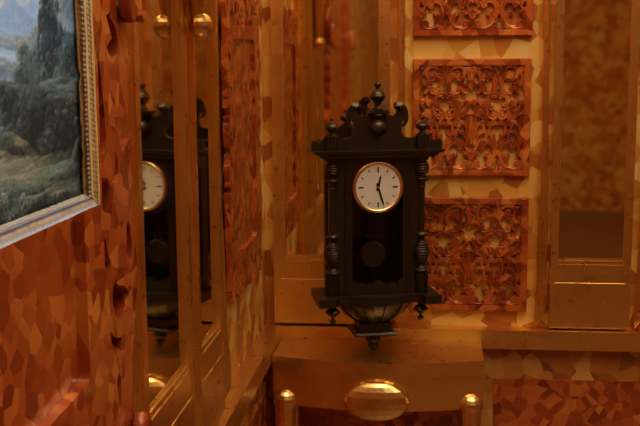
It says 12:27
